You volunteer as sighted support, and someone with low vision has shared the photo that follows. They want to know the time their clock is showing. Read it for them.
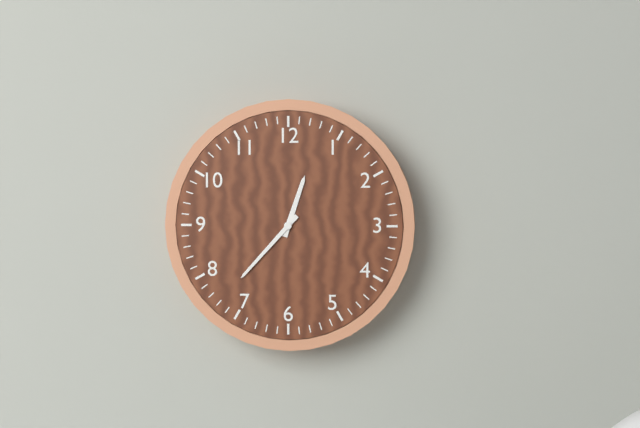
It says 12:37
